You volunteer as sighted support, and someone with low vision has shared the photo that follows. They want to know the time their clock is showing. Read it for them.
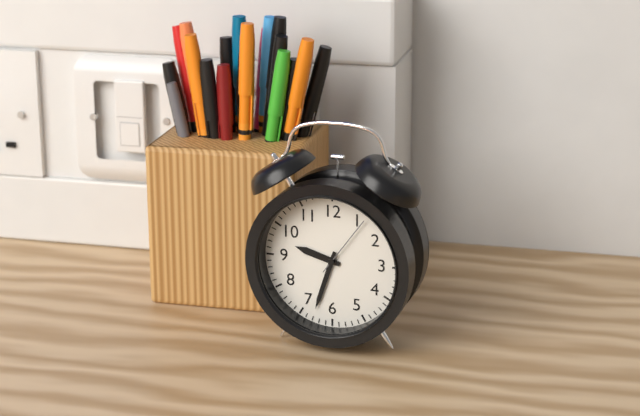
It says 9:33:06
